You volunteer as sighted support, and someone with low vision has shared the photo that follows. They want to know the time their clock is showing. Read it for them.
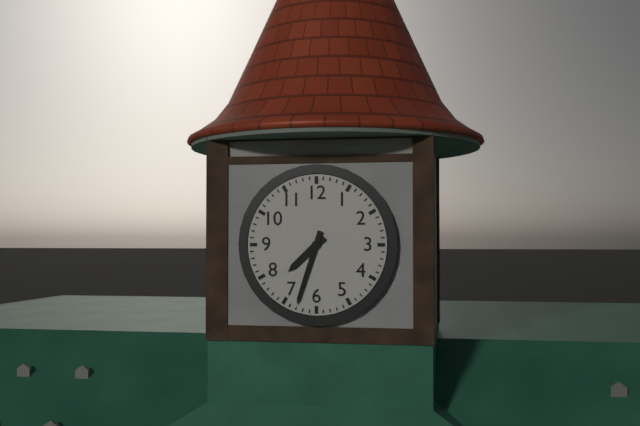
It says 7:33
